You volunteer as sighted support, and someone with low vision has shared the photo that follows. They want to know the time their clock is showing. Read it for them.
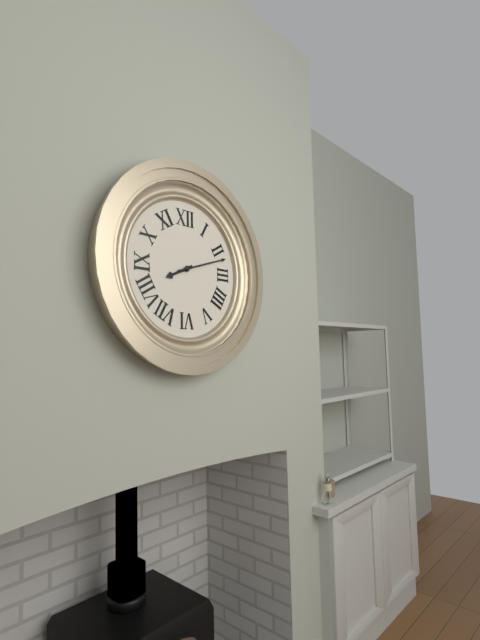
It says 8:12
